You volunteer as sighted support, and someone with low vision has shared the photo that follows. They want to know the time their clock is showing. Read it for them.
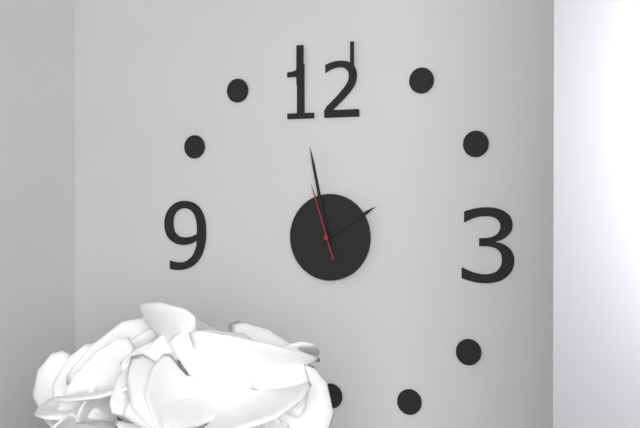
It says 1:58:57
